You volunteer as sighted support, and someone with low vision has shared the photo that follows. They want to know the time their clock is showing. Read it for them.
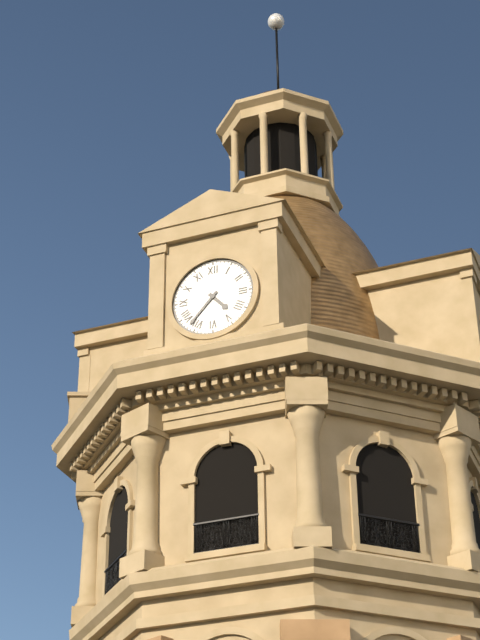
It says 4:37
